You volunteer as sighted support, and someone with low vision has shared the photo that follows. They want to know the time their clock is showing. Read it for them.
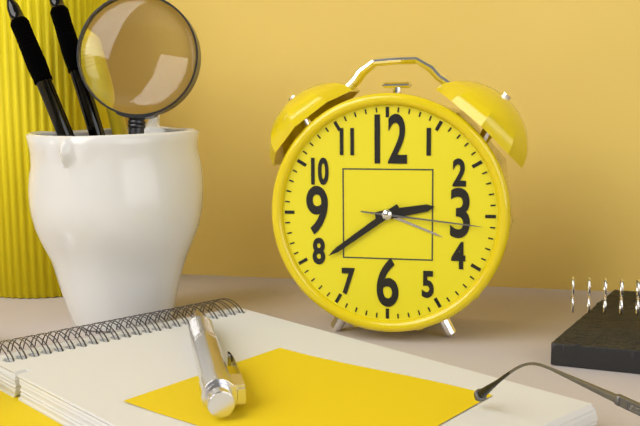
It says 2:39:16
